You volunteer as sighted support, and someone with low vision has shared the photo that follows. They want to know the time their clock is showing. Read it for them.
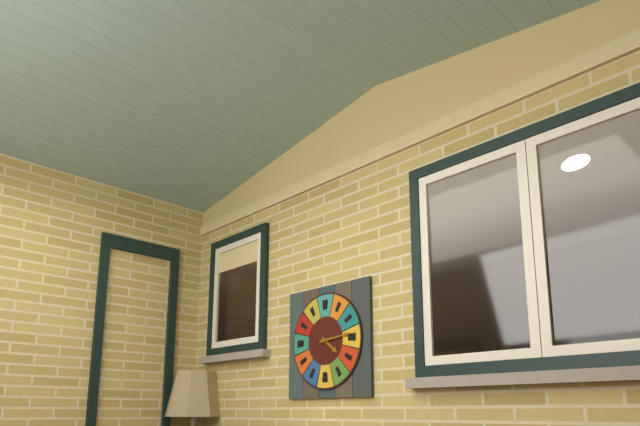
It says 4:14
